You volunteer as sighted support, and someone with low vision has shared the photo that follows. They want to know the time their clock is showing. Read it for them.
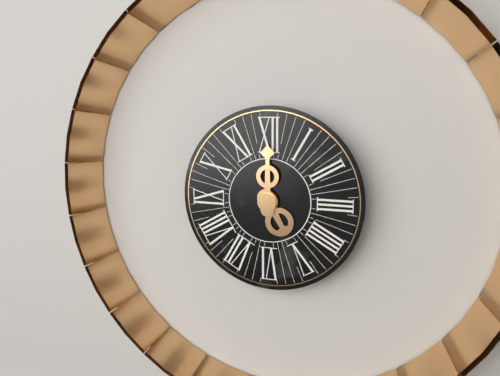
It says 5:00
